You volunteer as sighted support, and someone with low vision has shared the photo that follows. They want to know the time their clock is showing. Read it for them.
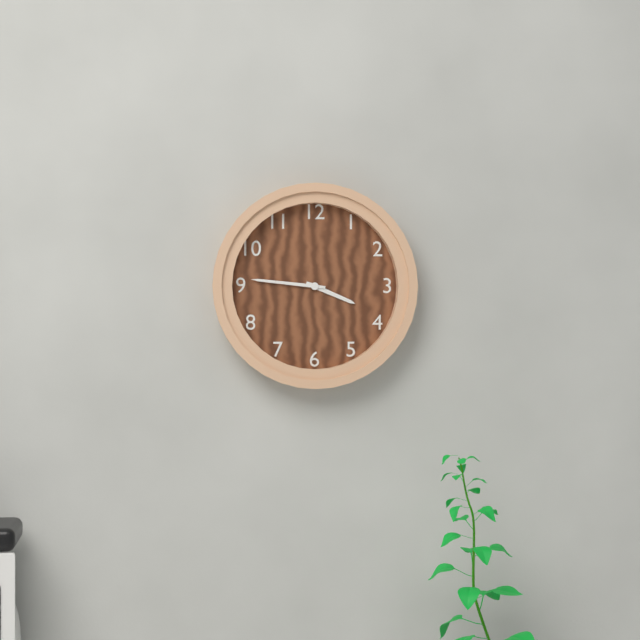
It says 3:46
